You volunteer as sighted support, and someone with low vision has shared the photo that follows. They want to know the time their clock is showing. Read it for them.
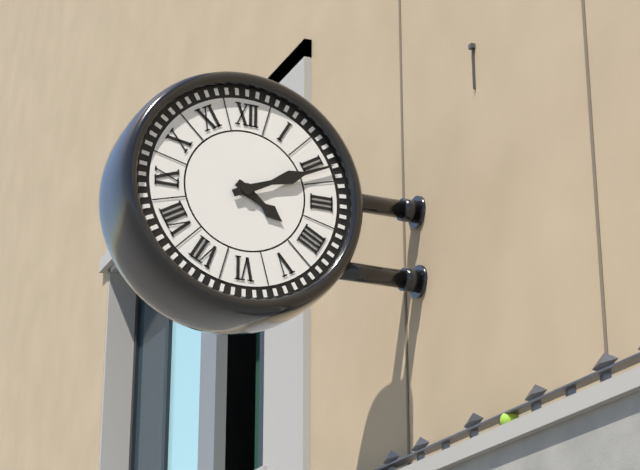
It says 4:11
